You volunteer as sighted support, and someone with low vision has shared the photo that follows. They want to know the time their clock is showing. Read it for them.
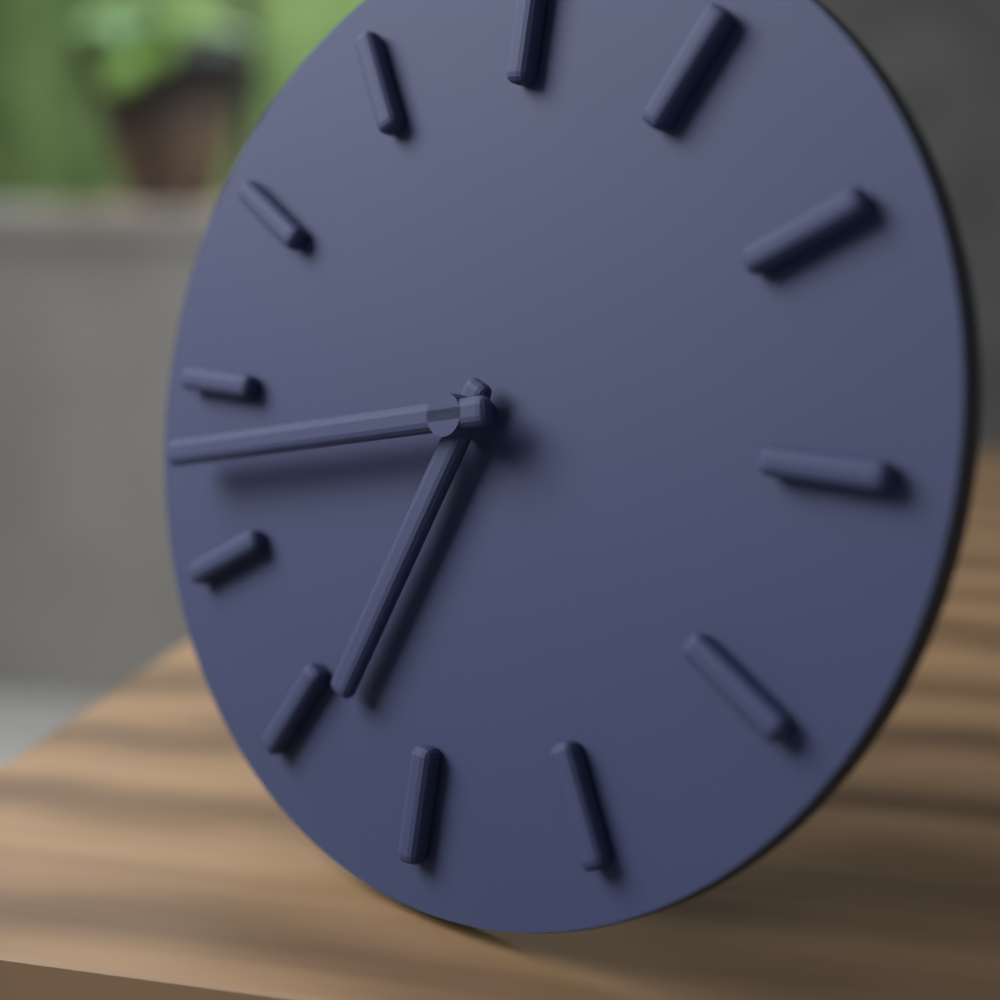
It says 6:43
